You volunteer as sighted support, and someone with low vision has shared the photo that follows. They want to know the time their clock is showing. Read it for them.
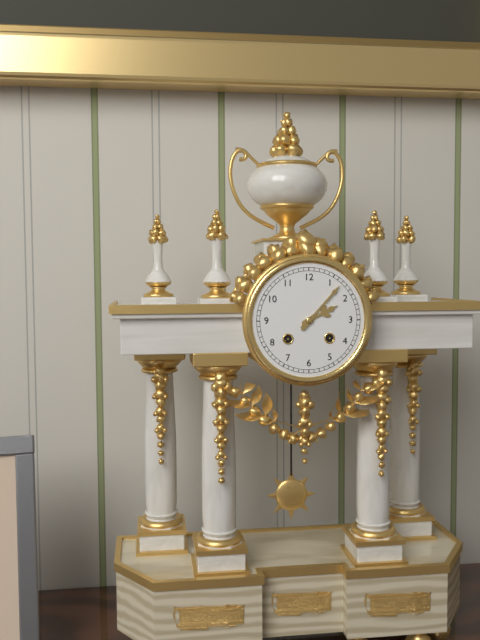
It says 2:07
